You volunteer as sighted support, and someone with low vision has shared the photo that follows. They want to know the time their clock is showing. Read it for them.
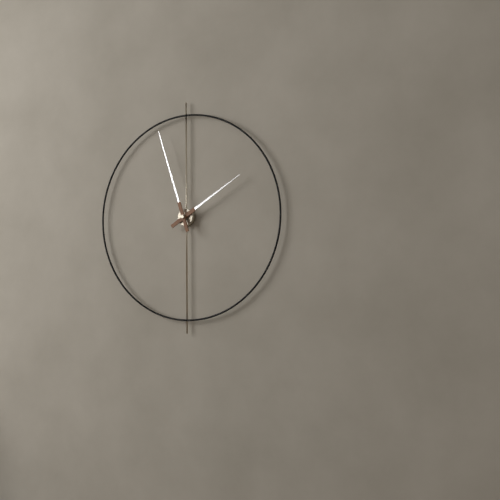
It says 1:57
